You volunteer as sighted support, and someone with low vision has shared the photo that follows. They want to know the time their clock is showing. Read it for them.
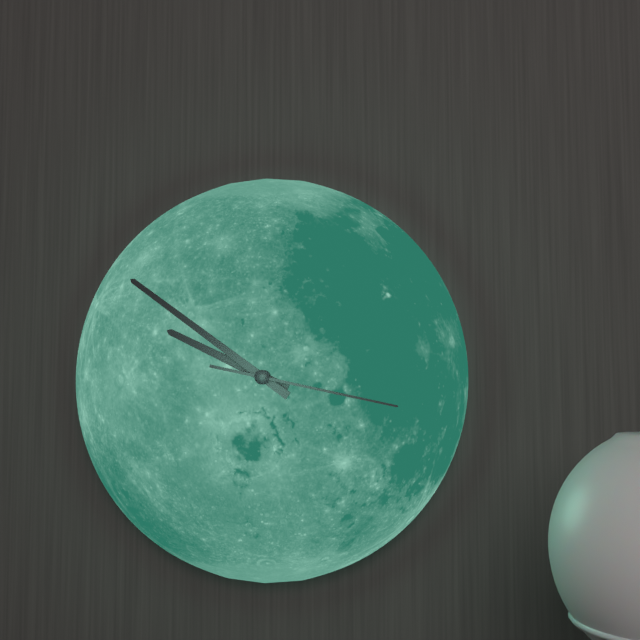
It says 9:51:17
